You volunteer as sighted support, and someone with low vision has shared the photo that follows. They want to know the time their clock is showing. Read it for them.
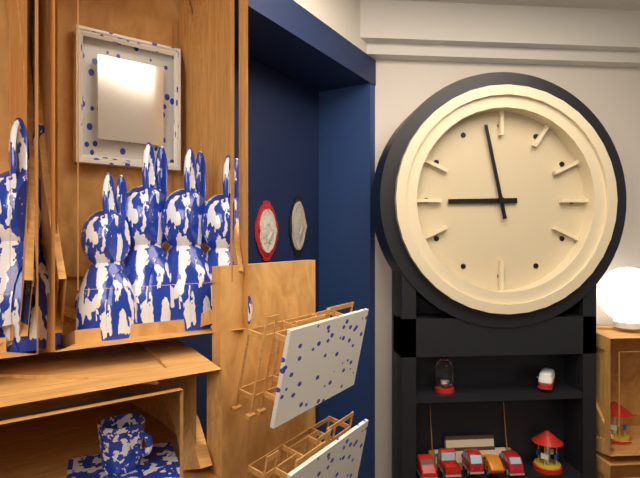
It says 8:58
